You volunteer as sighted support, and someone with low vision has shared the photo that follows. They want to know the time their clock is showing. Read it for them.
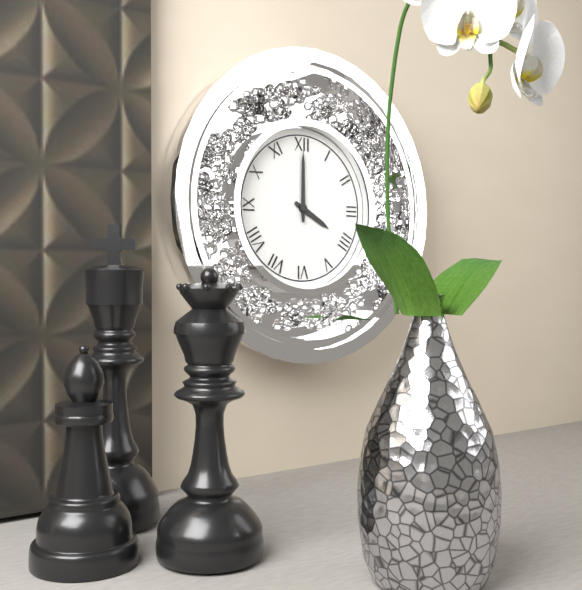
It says 4:00
